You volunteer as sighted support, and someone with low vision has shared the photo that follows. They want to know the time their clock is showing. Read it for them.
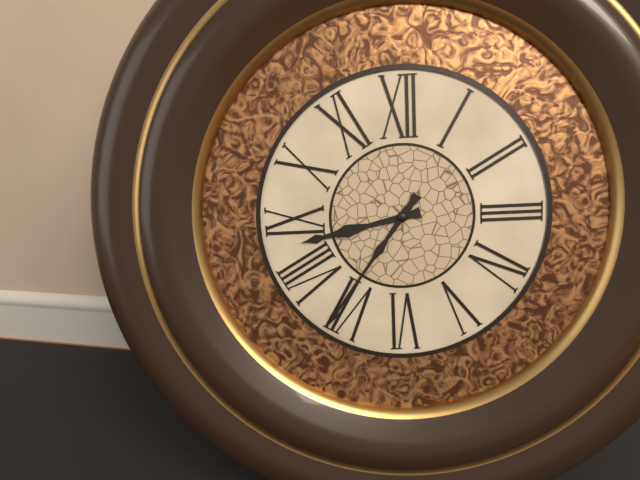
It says 8:36
